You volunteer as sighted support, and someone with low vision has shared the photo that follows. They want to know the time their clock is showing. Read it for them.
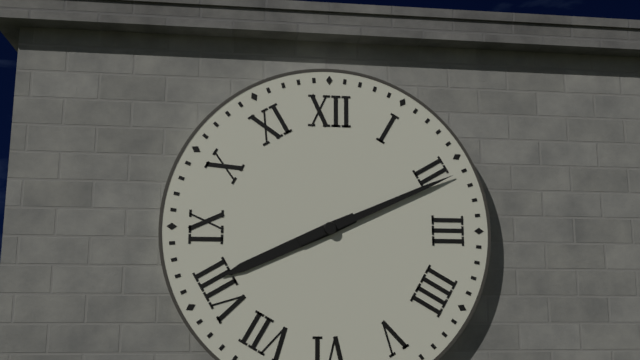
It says 8:11
